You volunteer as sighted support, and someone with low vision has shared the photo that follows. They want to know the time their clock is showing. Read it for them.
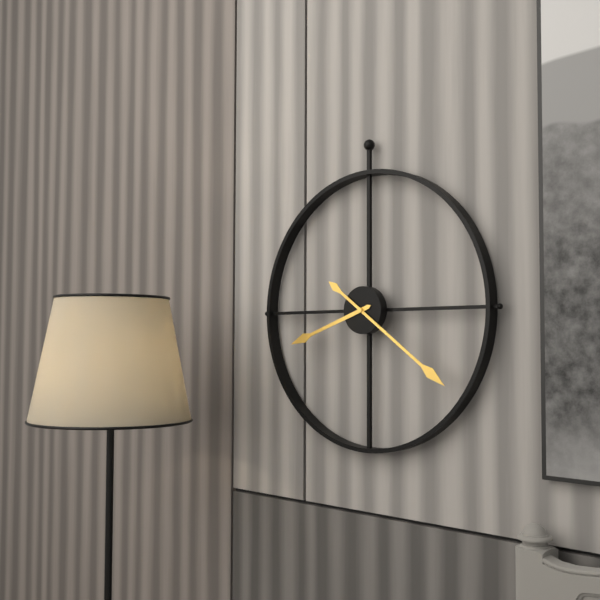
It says 8:21
